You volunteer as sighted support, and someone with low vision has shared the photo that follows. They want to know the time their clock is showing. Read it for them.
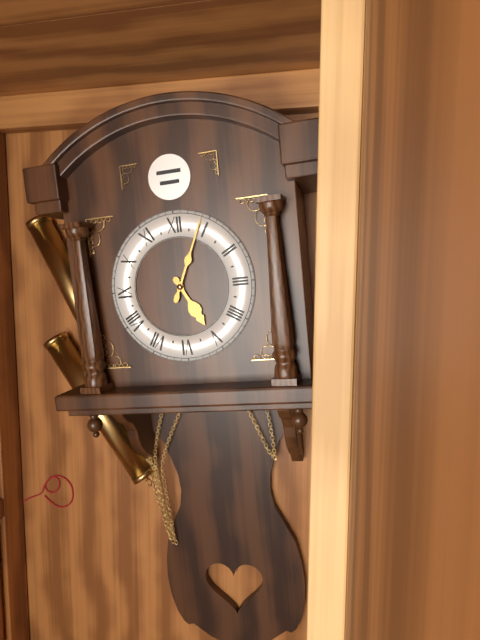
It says 5:04
